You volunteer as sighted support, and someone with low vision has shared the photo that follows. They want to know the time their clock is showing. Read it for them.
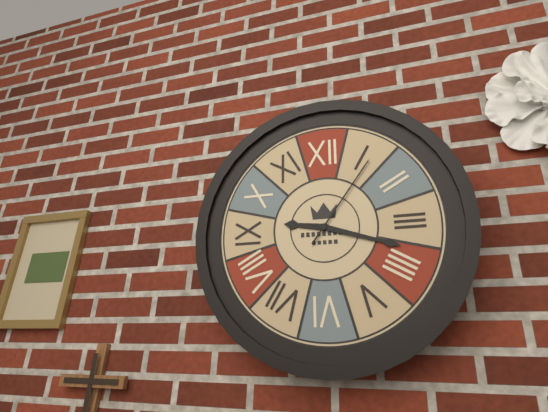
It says 9:18:06
